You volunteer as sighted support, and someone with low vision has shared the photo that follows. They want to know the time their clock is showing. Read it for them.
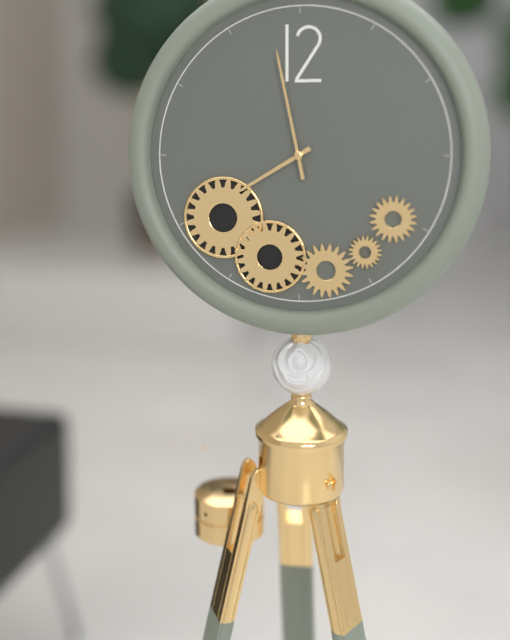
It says 7:58
